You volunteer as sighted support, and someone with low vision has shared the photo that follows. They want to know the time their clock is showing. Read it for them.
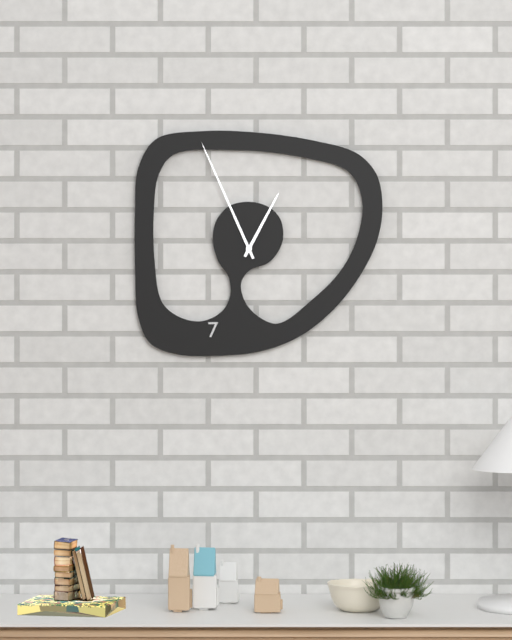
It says 12:56
